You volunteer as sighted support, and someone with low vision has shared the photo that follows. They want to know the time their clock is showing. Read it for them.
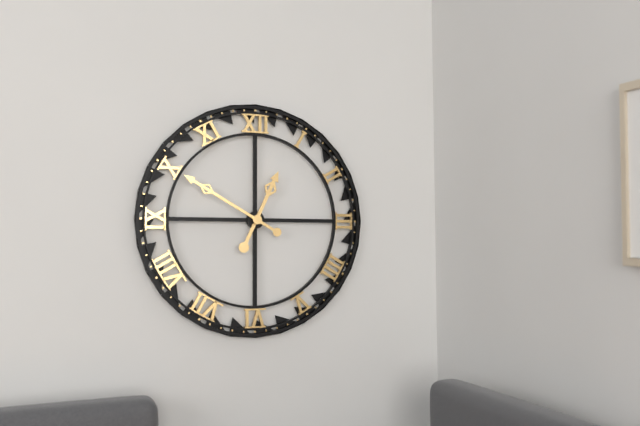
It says 12:50
